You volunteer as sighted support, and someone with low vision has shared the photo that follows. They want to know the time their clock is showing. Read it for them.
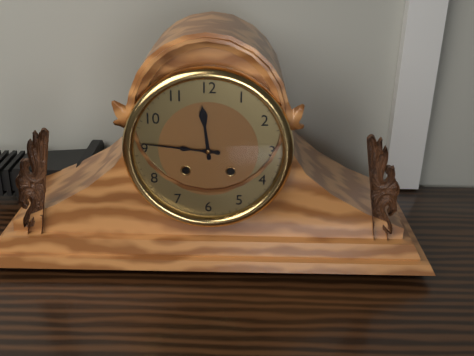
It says 11:46
